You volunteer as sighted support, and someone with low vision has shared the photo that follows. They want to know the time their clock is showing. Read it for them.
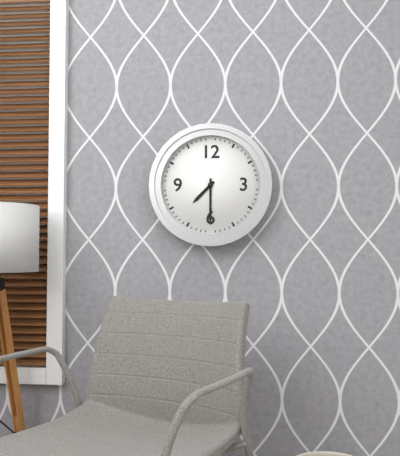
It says 7:30
